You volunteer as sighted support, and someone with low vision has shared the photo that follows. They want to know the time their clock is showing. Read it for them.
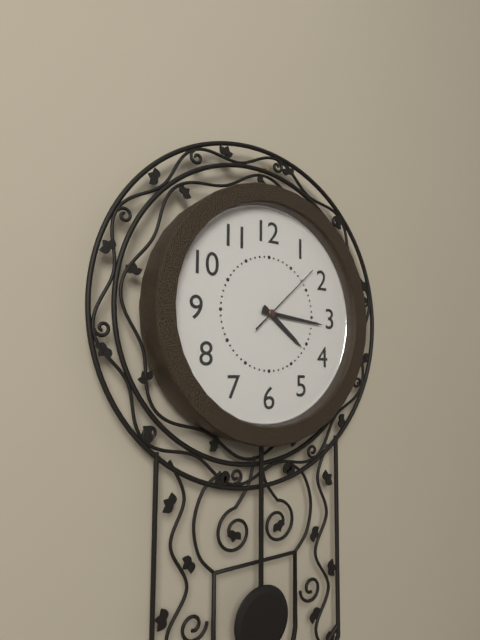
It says 4:16:08
